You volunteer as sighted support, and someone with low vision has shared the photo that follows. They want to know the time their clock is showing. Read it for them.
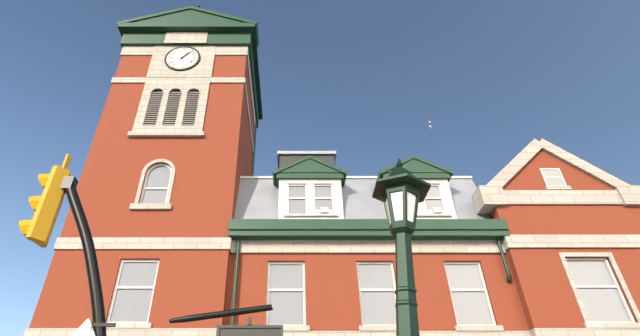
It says 1:07
